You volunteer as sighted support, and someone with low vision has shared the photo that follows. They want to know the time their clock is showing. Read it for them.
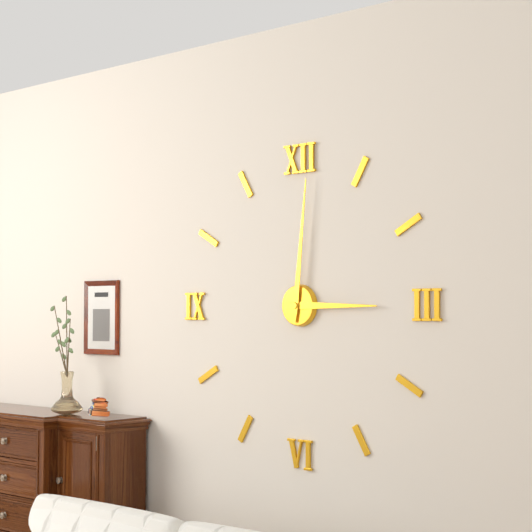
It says 3:01
